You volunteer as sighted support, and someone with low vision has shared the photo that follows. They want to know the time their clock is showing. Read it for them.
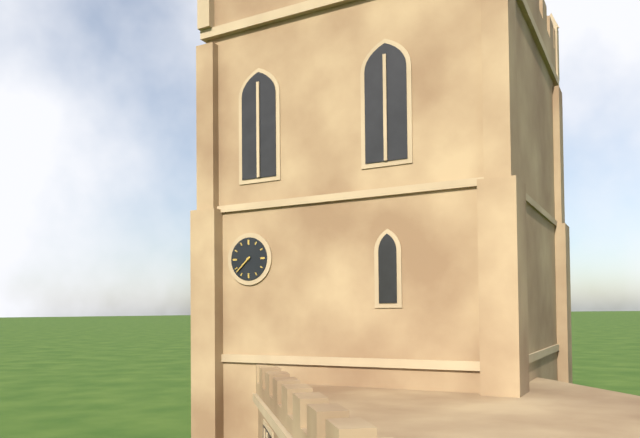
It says 7:38
